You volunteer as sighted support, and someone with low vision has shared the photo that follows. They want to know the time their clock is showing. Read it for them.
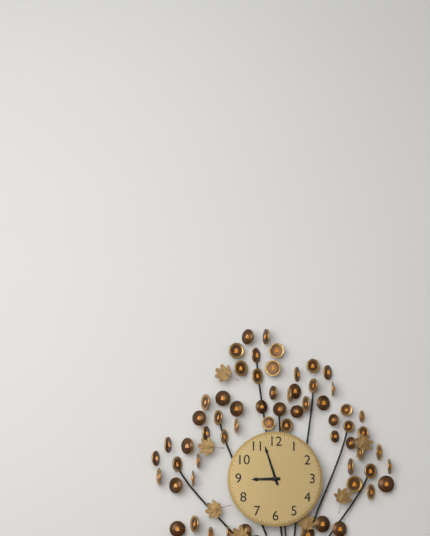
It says 8:57
